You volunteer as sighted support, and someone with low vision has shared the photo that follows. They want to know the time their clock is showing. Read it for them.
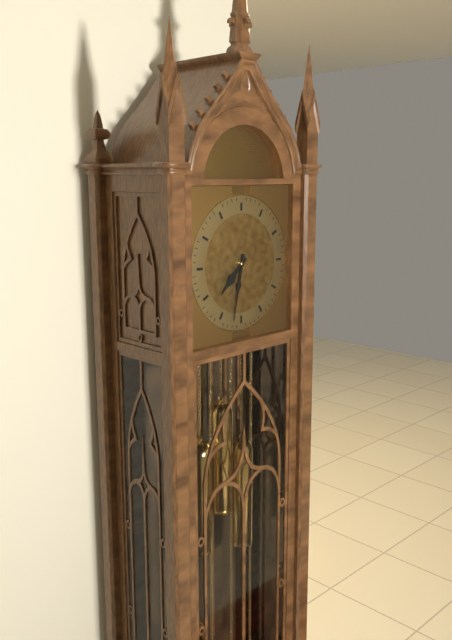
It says 7:32
